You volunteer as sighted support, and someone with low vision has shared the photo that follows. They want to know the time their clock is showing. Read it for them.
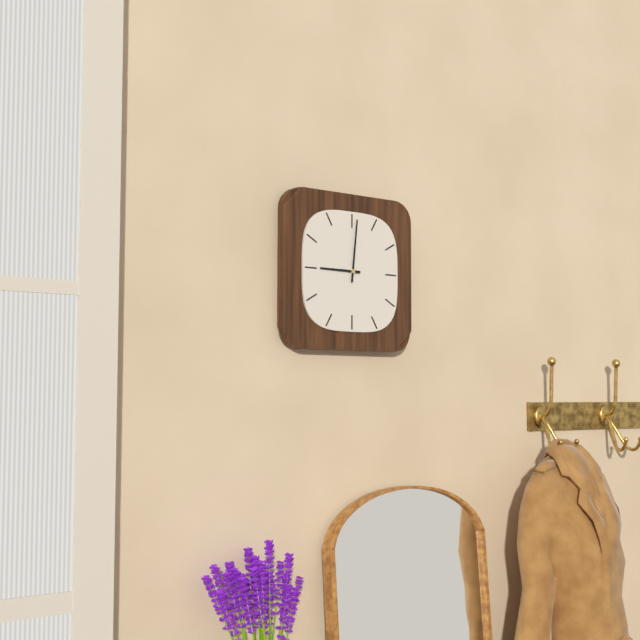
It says 9:01
